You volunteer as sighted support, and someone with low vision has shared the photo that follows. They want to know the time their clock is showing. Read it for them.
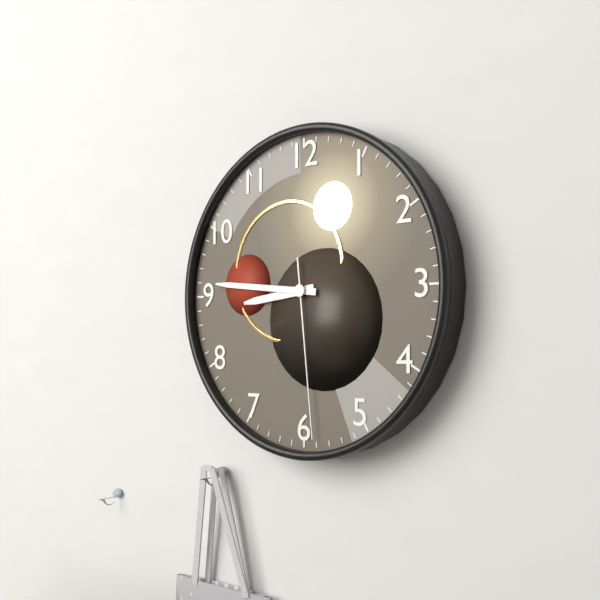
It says 8:46:29
